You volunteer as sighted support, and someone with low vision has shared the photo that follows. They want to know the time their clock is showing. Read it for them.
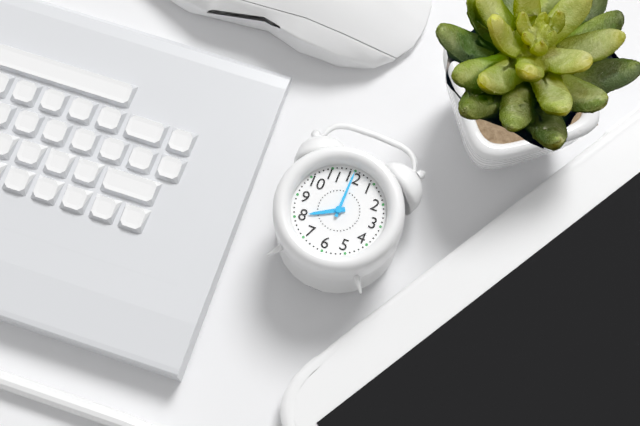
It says 8:00
